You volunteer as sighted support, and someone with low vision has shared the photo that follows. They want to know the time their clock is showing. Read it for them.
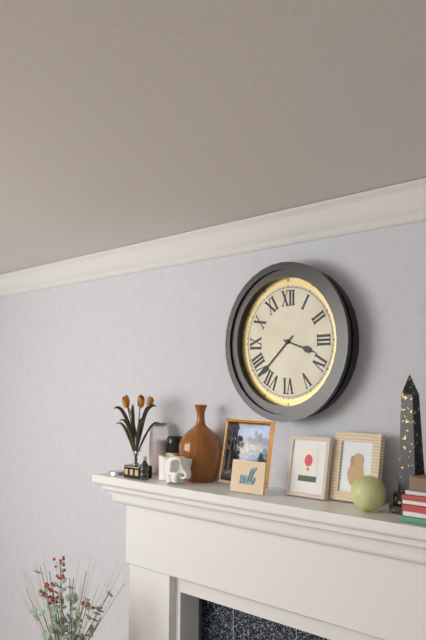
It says 3:38
